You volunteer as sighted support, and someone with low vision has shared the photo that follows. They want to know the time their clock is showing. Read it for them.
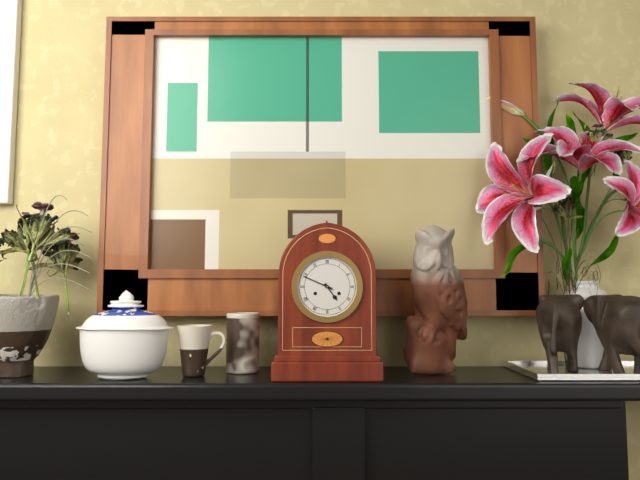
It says 4:49
